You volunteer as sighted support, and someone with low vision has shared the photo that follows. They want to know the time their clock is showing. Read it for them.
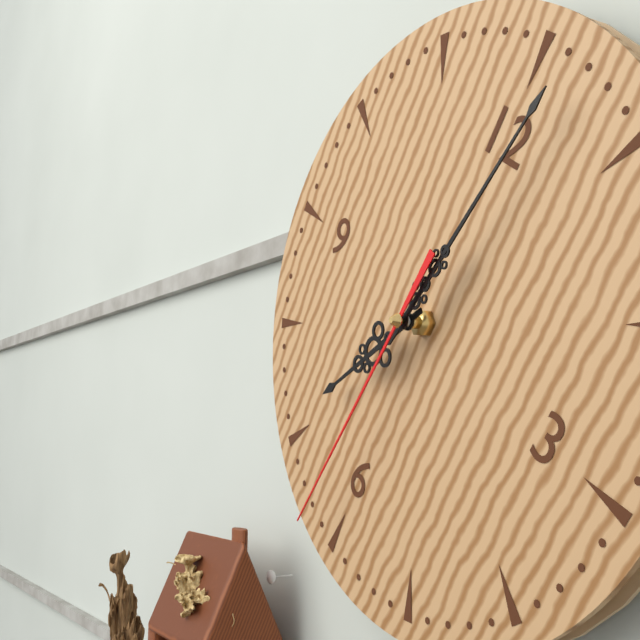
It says 7:02:31
